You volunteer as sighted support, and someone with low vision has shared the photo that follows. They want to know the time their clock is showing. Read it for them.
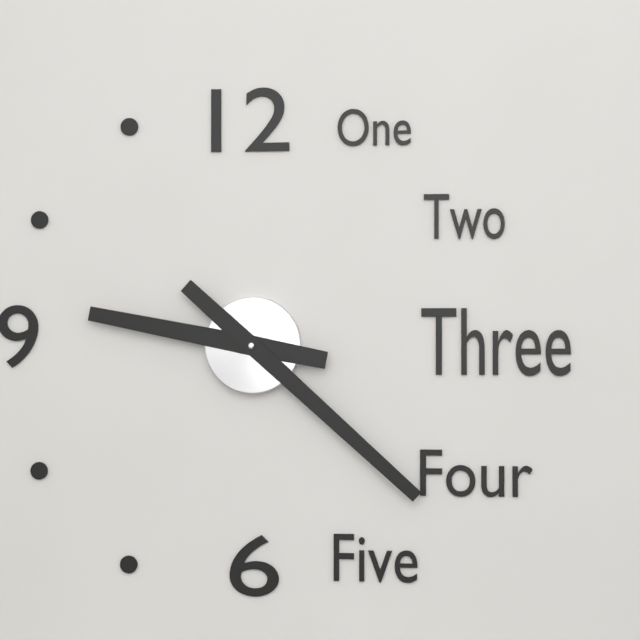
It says 9:22
